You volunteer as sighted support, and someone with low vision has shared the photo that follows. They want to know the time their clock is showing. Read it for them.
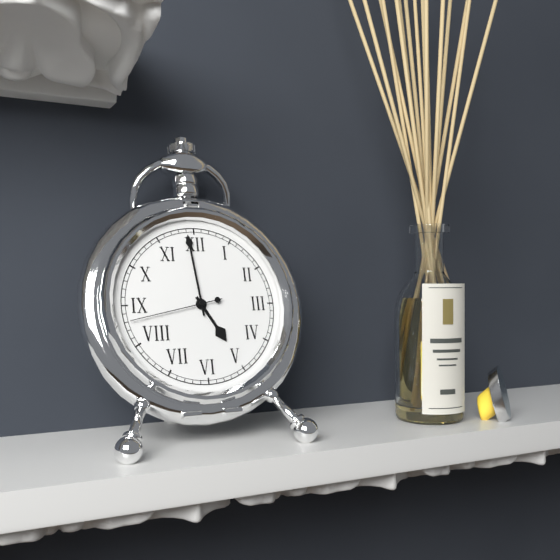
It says 4:59:43
